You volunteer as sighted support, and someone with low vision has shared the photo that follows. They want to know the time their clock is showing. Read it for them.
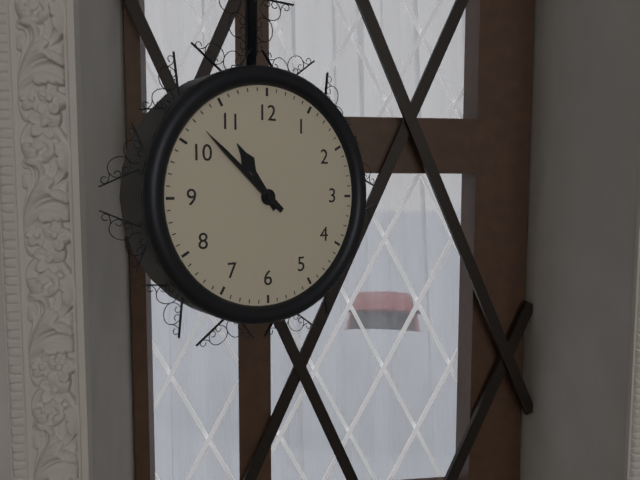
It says 10:52
